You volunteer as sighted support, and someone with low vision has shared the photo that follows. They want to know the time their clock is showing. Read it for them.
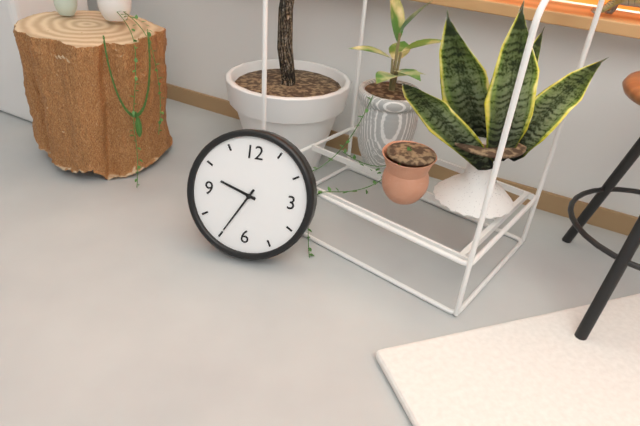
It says 9:35
